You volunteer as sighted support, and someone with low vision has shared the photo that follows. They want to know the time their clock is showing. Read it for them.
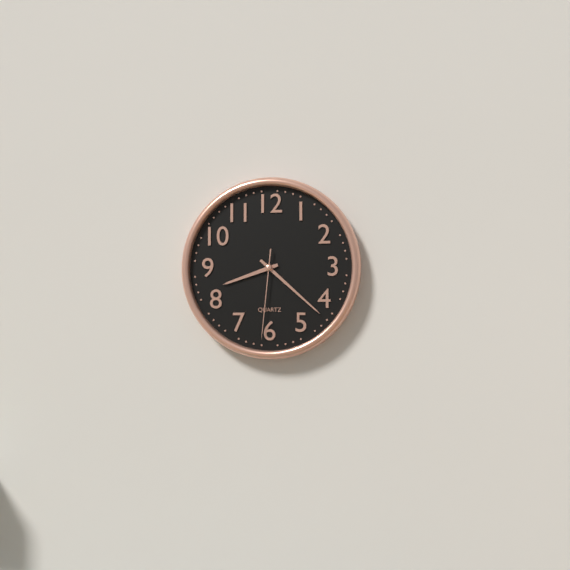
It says 8:22:31
